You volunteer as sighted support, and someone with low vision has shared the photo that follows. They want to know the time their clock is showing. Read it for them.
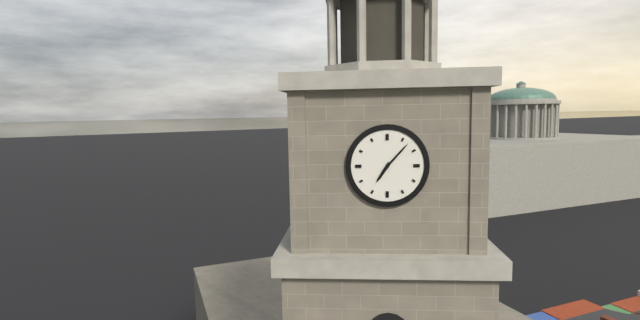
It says 7:07
